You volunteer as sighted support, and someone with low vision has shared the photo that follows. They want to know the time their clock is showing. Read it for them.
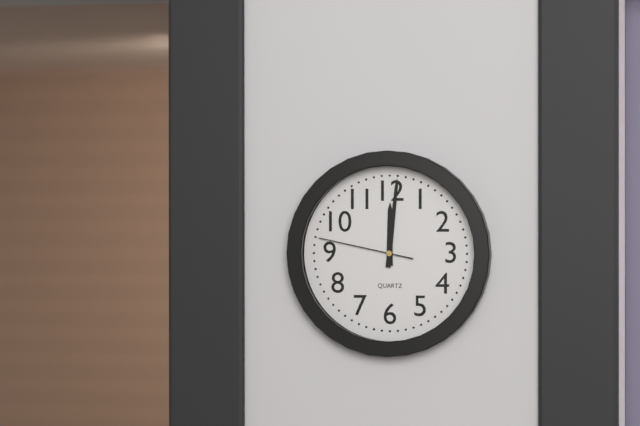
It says 12:01:47
